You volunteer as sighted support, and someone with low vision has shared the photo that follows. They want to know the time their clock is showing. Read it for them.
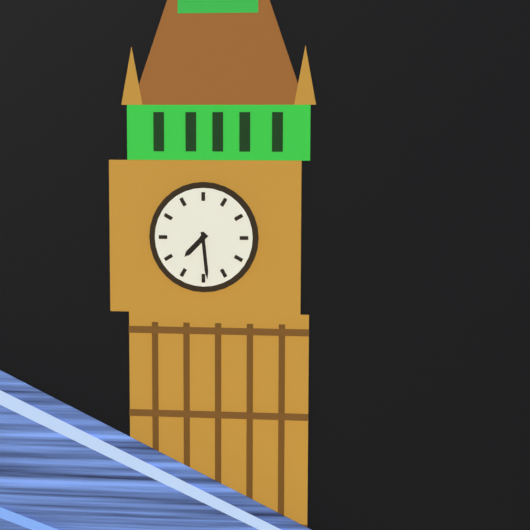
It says 7:29
